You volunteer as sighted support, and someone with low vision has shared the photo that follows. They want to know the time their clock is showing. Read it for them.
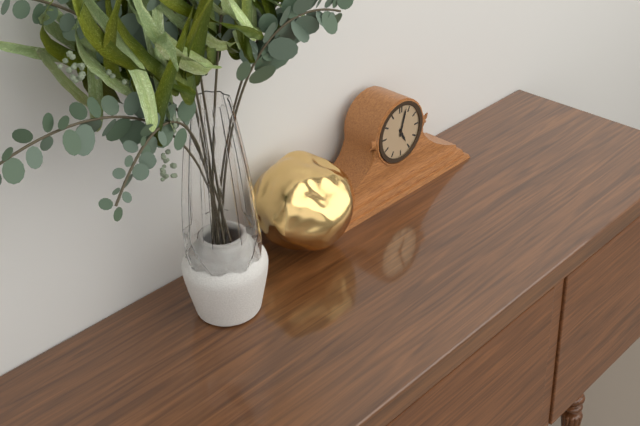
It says 5:03
